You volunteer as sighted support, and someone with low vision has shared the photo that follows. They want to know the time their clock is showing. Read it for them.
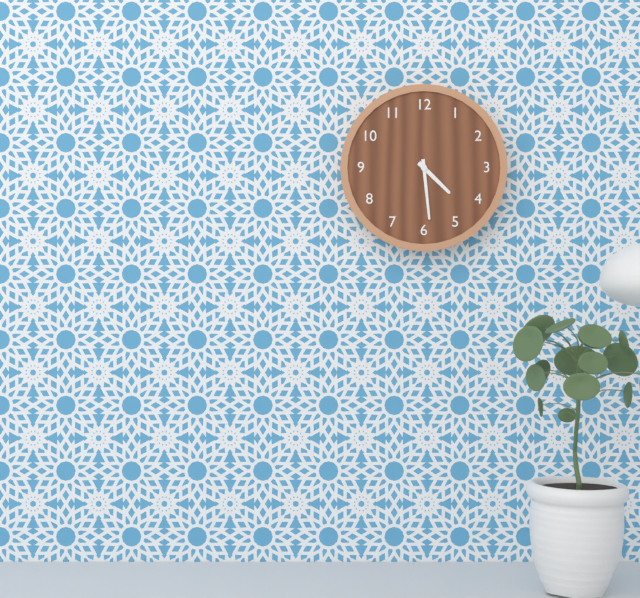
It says 4:29
